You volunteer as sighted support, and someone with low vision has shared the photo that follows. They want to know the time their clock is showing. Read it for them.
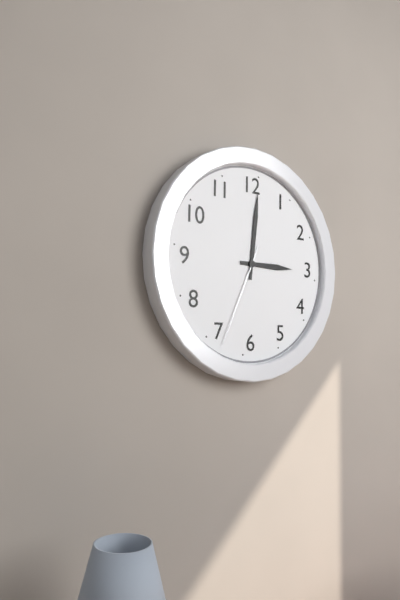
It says 3:01:34
